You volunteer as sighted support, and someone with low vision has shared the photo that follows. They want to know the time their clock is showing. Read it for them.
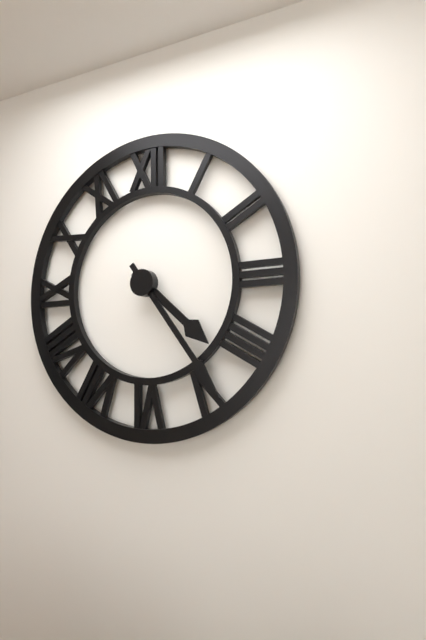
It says 4:24
